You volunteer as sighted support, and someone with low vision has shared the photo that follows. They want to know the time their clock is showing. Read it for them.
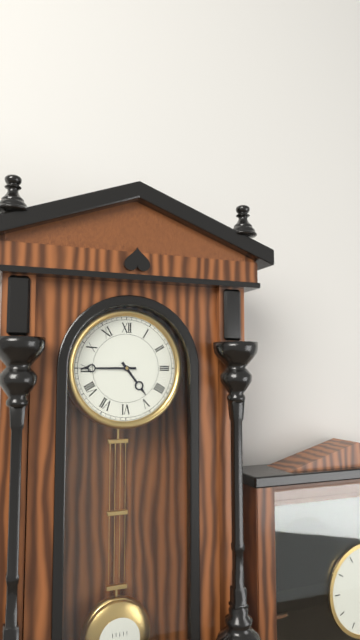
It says 4:45
